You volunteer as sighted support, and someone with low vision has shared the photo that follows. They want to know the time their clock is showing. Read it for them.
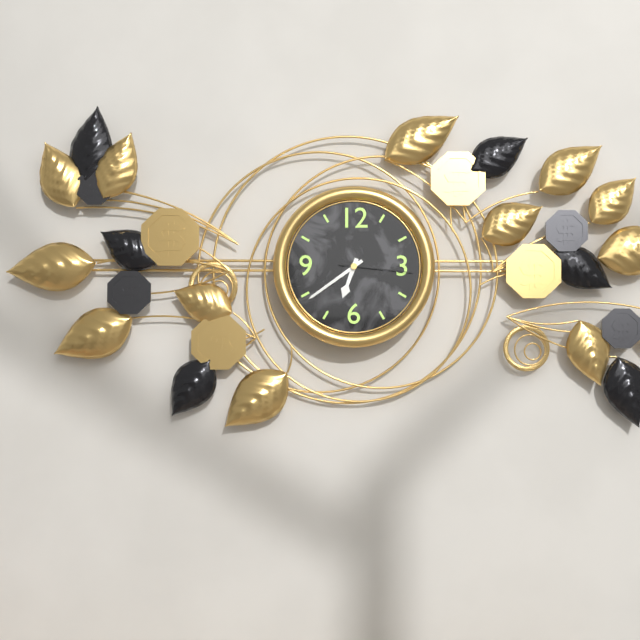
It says 6:39:16
